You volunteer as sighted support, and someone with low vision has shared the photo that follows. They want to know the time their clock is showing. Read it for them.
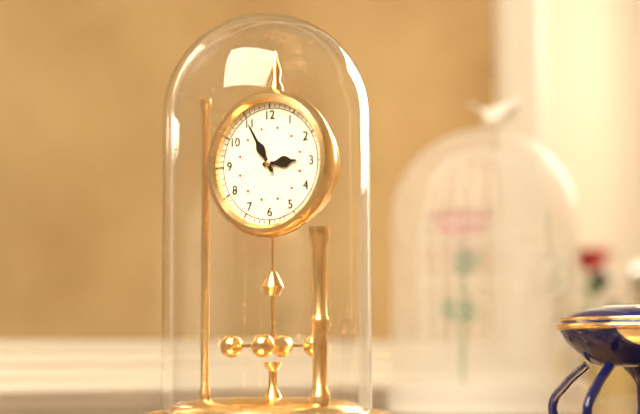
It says 2:55
